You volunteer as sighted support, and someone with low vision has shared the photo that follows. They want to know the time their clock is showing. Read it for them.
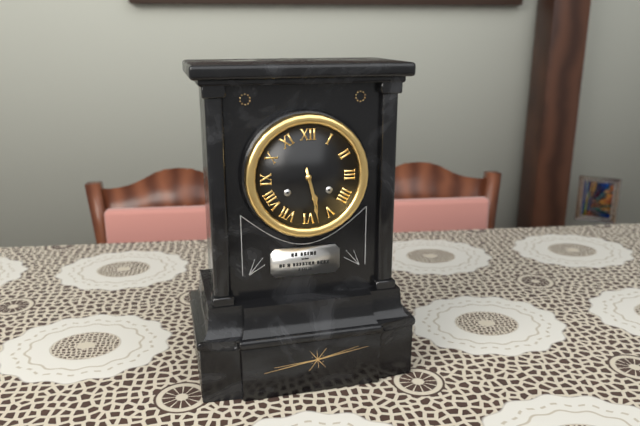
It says 5:28
